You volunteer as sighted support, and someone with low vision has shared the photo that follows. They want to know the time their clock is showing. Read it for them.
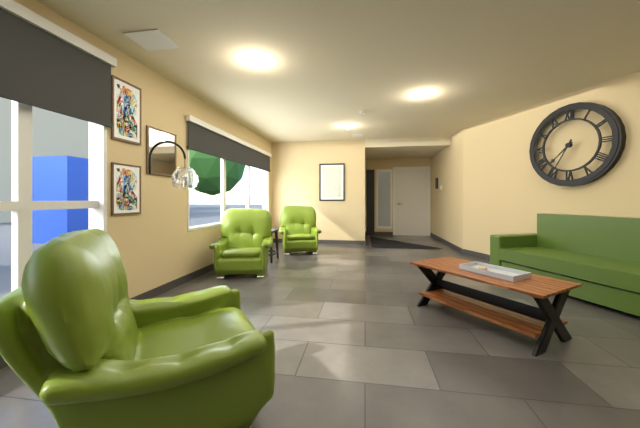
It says 7:35
